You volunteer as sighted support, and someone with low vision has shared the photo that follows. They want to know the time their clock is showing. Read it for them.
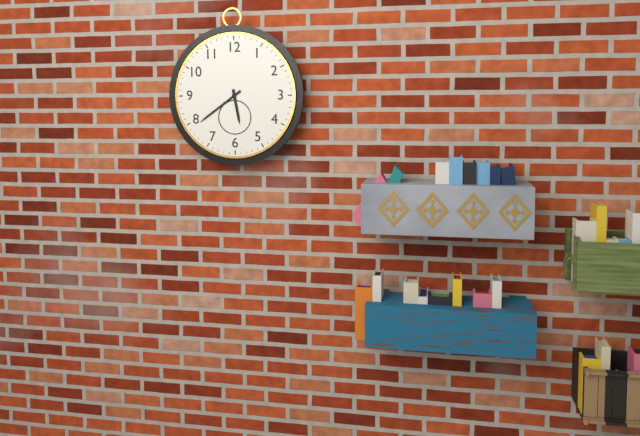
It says 5:39
